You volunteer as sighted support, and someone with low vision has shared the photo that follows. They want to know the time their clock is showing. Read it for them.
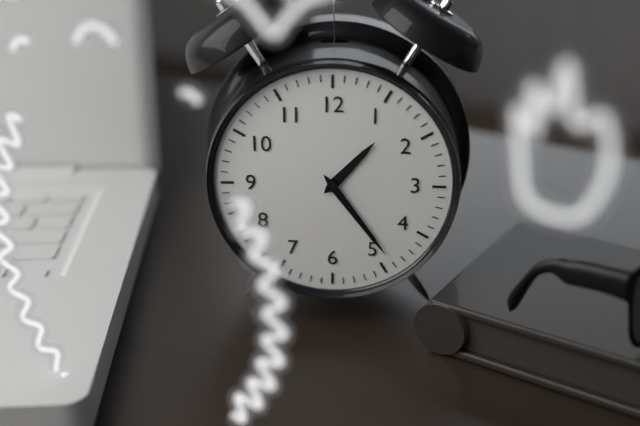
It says 1:24
